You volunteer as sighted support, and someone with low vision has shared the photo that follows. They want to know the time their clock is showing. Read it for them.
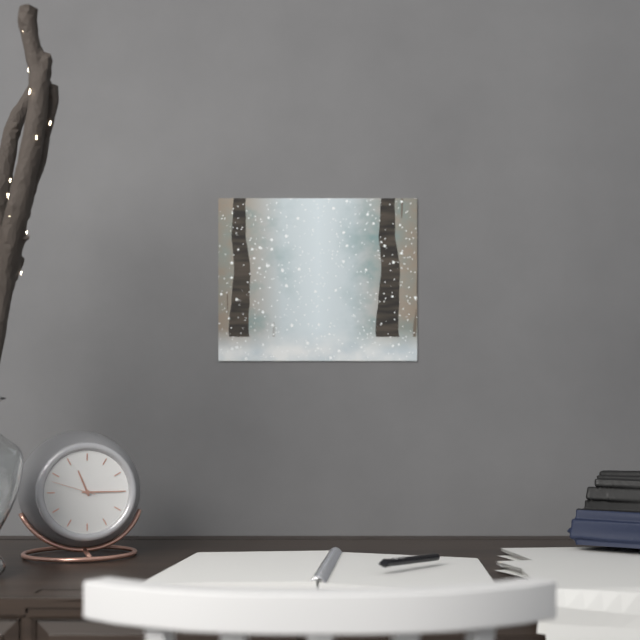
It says 11:15
